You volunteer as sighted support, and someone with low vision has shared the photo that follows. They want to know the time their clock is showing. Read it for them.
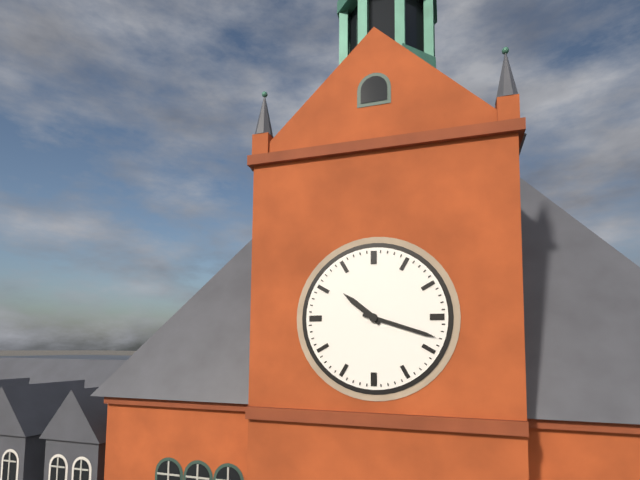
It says 10:18
